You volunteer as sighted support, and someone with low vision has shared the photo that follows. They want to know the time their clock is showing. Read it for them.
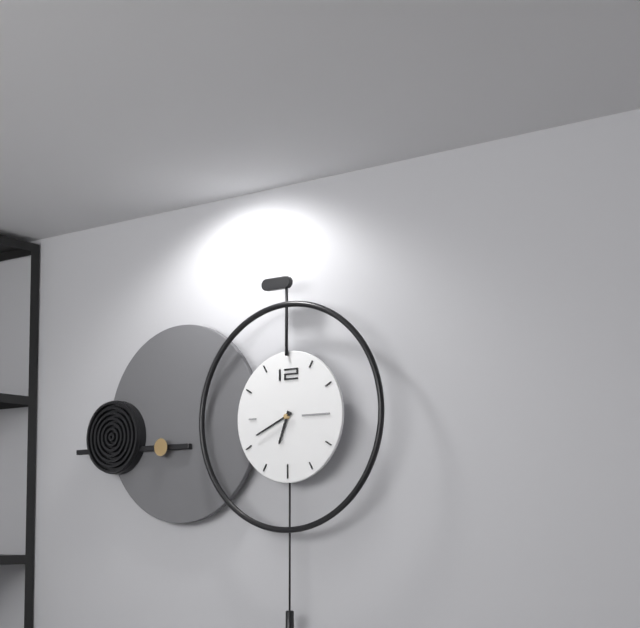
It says 6:41
